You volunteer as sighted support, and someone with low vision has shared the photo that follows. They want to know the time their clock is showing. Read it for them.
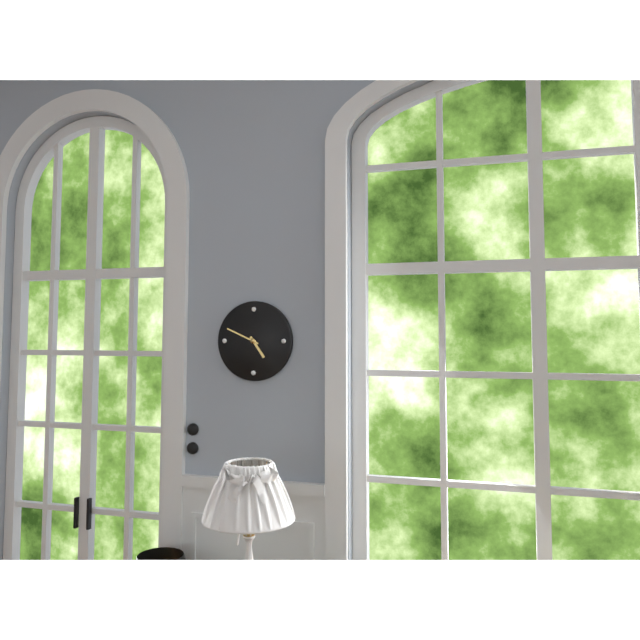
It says 4:49
